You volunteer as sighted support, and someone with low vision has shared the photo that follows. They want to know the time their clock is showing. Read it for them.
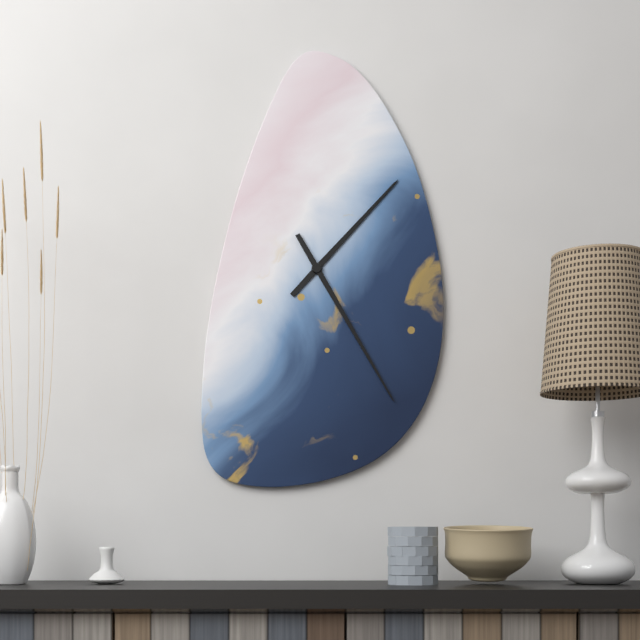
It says 1:25
